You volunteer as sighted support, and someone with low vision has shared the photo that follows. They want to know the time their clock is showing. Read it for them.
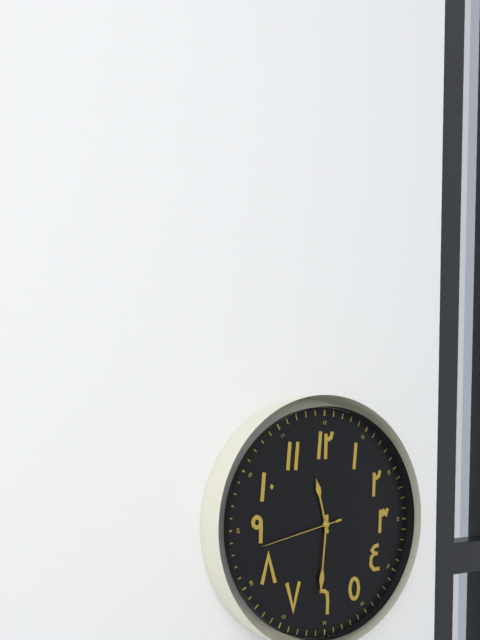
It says 11:31:43
